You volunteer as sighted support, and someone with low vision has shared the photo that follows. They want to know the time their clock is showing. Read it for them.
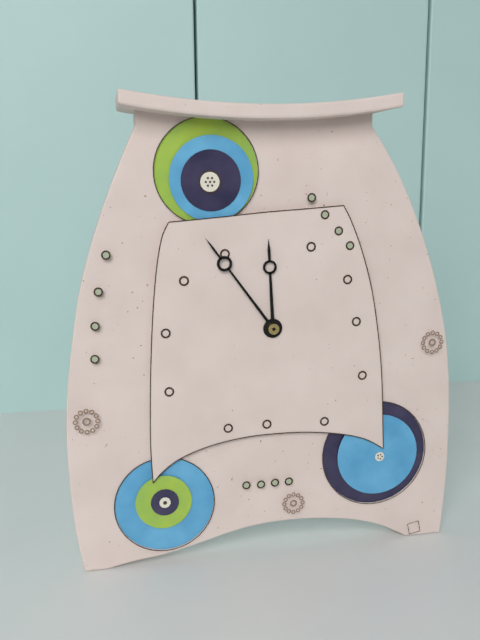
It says 11:54
